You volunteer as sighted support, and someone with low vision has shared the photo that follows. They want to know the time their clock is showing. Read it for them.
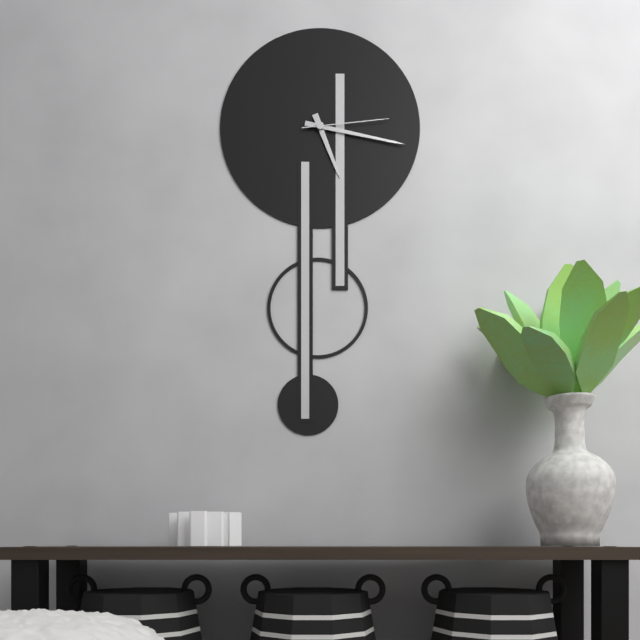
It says 5:17:14
